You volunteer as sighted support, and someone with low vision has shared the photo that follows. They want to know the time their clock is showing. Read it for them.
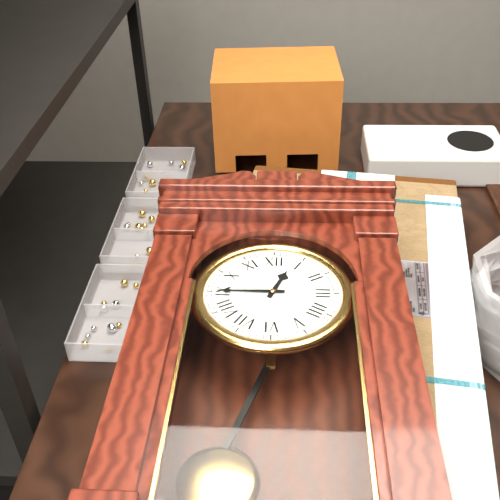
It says 12:45
